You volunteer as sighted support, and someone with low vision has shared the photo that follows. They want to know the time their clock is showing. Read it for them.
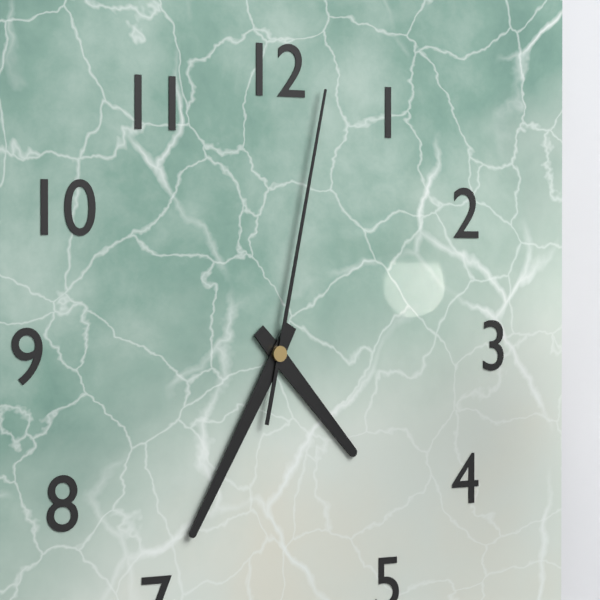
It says 4:35:02
